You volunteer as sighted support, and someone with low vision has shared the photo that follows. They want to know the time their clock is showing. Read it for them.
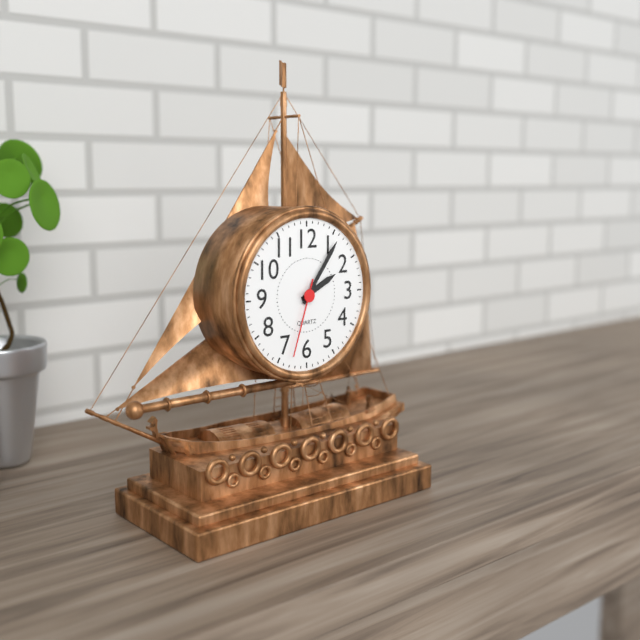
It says 2:06:33
